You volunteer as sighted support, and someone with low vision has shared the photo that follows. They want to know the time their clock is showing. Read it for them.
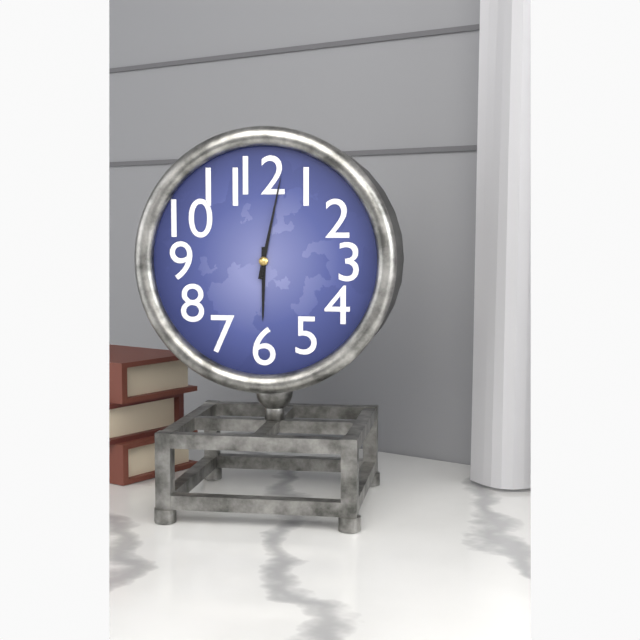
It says 6:02
